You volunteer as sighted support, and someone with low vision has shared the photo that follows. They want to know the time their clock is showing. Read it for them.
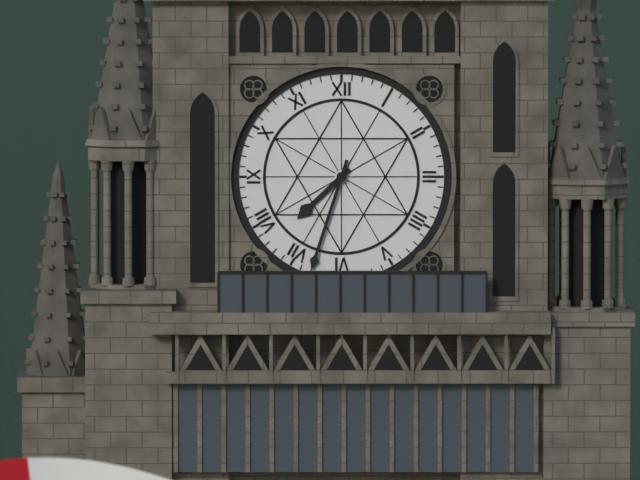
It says 7:33
